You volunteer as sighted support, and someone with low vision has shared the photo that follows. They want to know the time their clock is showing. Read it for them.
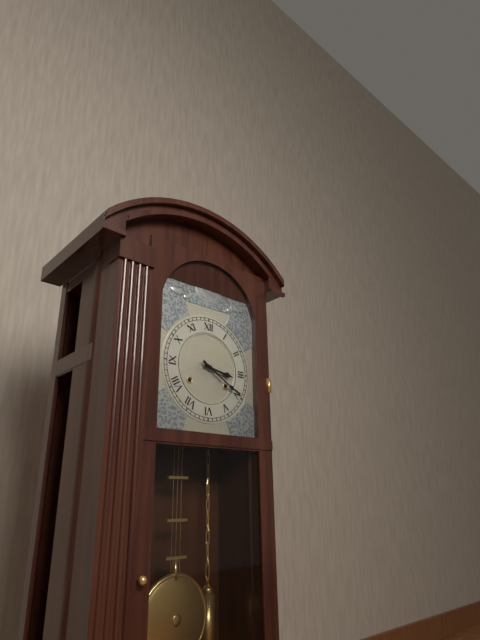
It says 3:20
